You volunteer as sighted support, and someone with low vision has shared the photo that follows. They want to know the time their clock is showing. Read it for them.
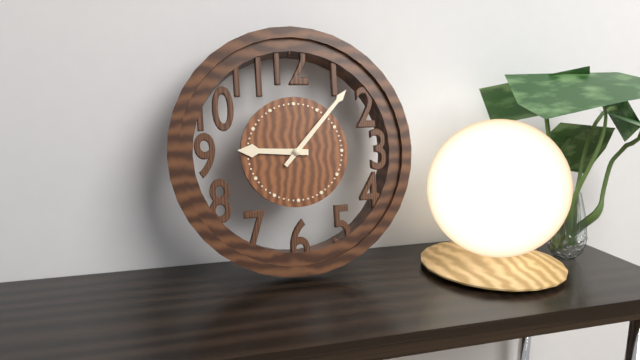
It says 9:07
